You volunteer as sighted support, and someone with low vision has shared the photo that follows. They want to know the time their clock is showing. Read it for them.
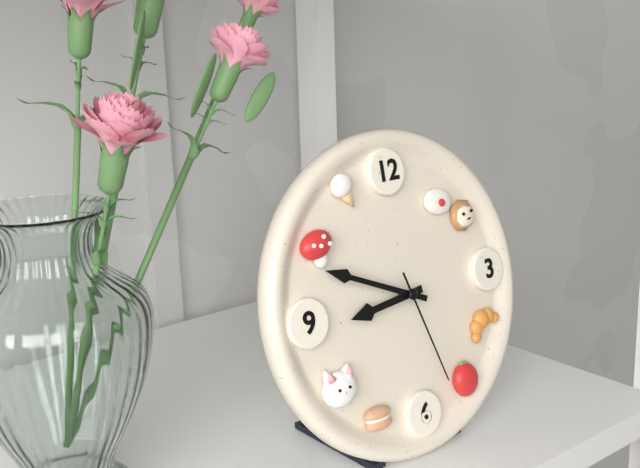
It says 8:49:27
